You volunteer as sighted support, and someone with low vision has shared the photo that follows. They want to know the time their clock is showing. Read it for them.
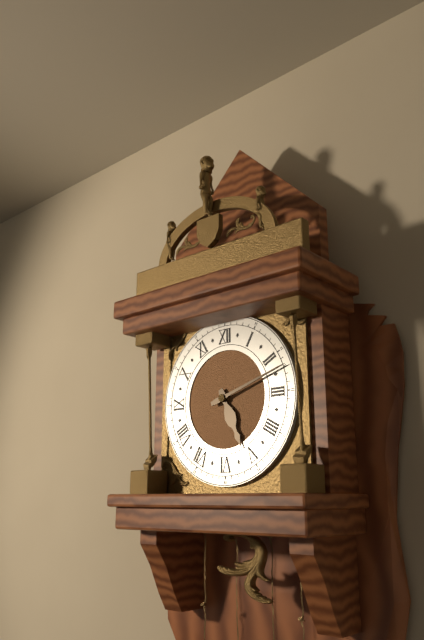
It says 5:12
